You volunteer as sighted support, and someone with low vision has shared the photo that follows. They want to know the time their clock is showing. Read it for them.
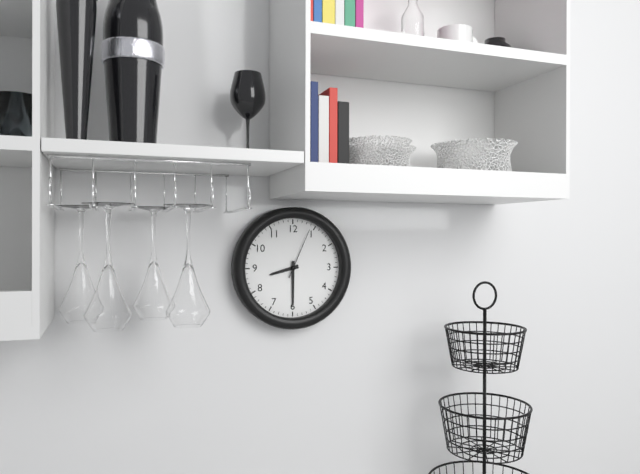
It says 8:30:04
